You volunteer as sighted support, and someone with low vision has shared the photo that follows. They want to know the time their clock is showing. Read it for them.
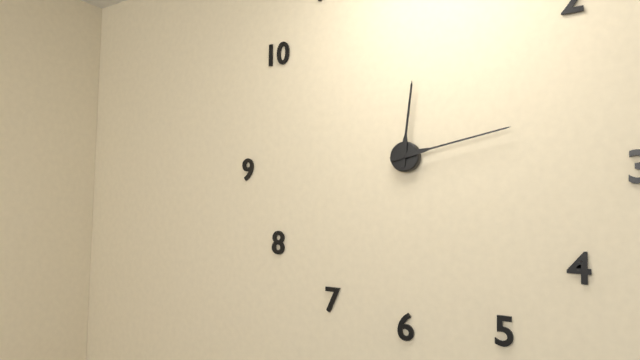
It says 12:13
